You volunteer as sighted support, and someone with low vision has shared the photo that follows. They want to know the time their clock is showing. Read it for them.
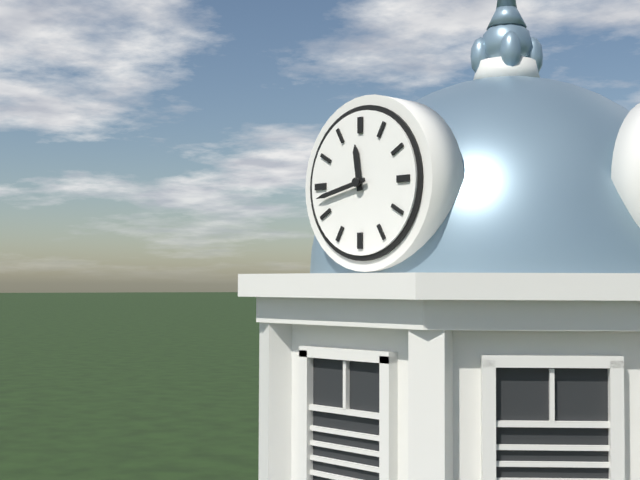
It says 11:43
